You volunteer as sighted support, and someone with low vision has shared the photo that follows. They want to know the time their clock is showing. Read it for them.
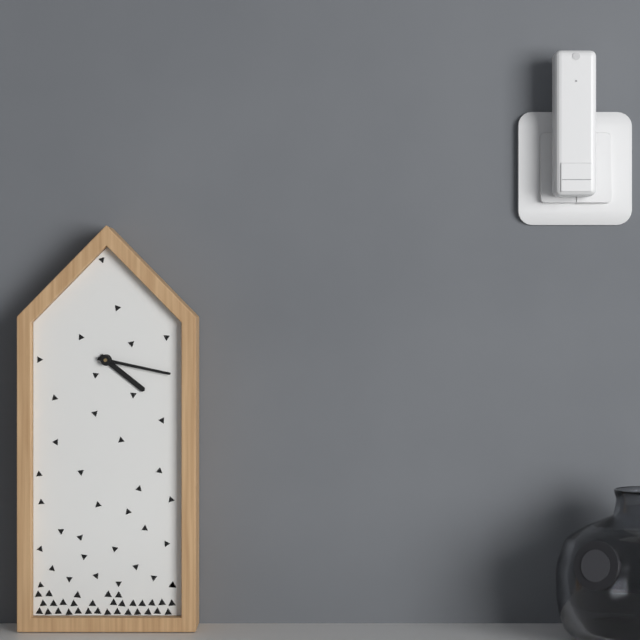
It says 4:17
